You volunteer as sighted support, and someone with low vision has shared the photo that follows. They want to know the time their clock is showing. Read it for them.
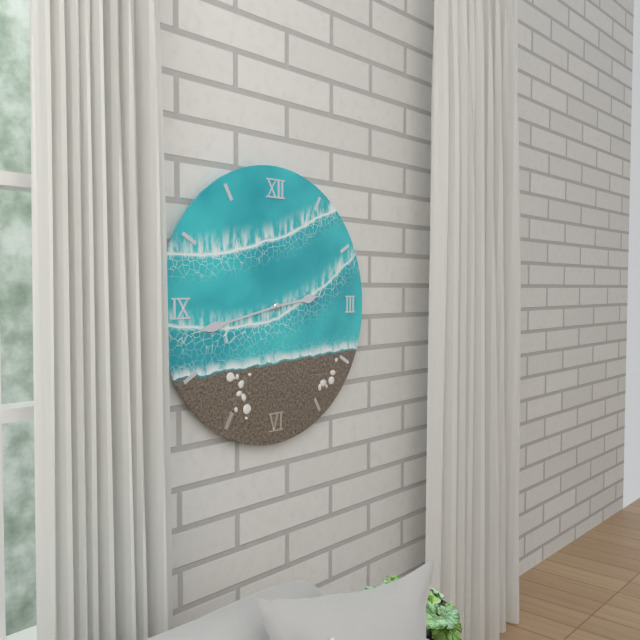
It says 2:43
